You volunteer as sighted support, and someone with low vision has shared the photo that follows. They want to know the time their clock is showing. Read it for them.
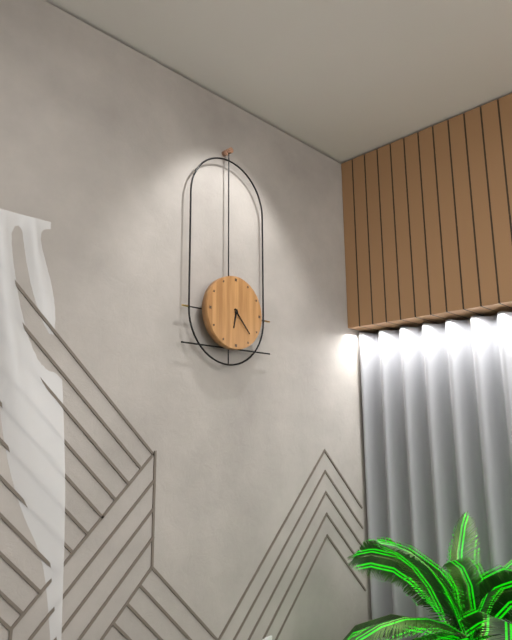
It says 6:23
